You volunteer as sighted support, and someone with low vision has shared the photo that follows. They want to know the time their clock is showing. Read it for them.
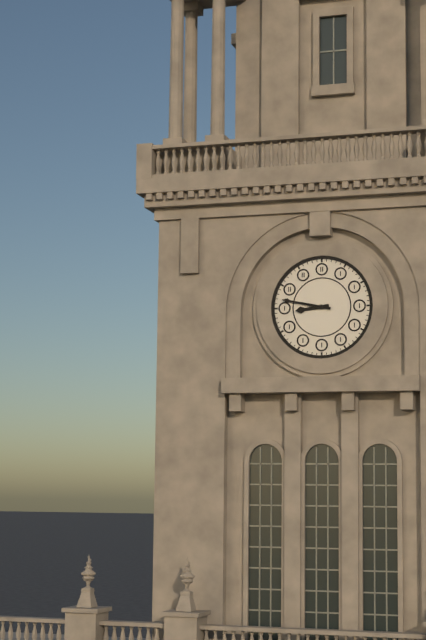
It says 8:47
